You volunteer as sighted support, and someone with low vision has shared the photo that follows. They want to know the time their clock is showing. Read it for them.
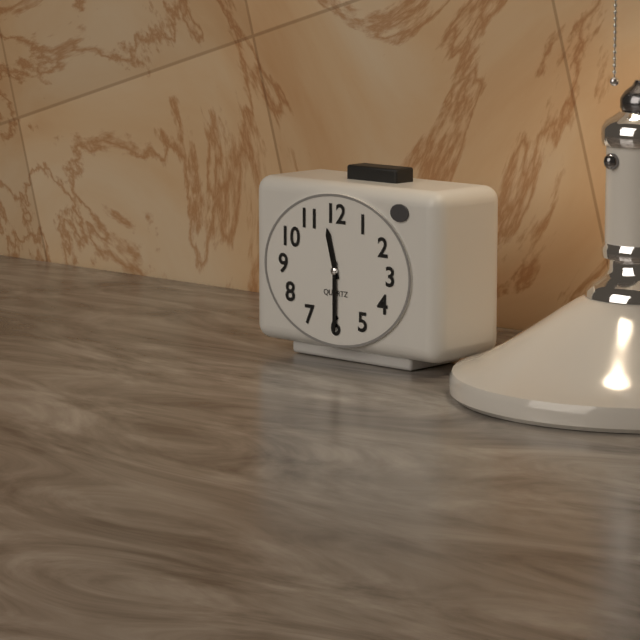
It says 11:30
